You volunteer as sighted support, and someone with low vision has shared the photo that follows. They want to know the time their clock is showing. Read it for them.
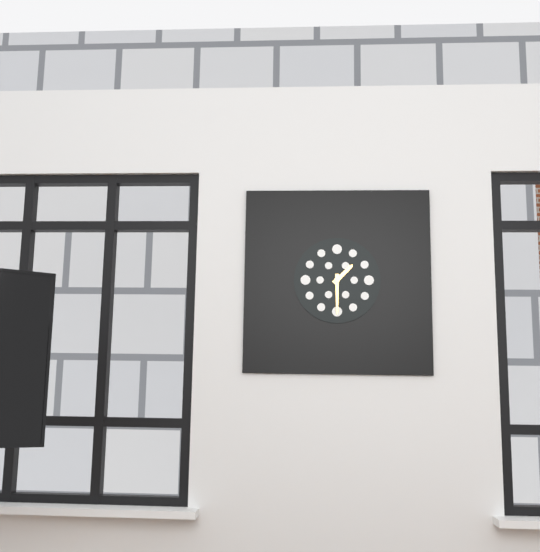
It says 1:30
